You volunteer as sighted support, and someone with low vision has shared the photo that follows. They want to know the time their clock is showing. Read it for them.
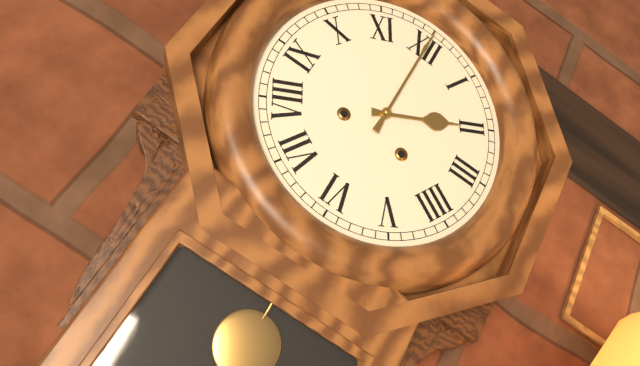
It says 2:00
